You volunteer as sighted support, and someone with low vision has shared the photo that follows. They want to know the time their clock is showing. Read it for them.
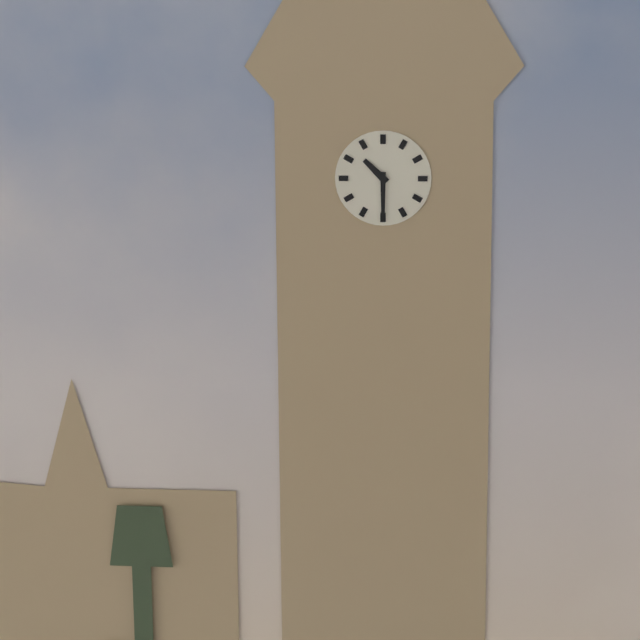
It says 10:30
